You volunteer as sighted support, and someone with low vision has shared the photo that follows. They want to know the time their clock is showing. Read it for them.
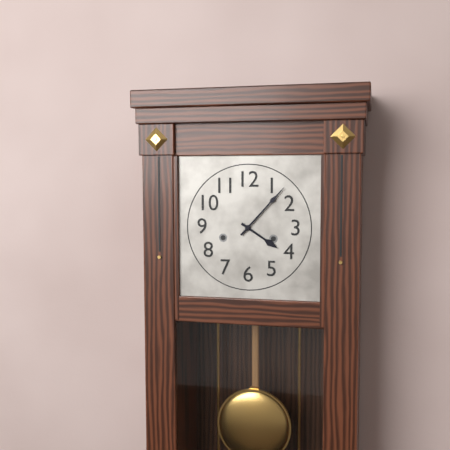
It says 4:07
